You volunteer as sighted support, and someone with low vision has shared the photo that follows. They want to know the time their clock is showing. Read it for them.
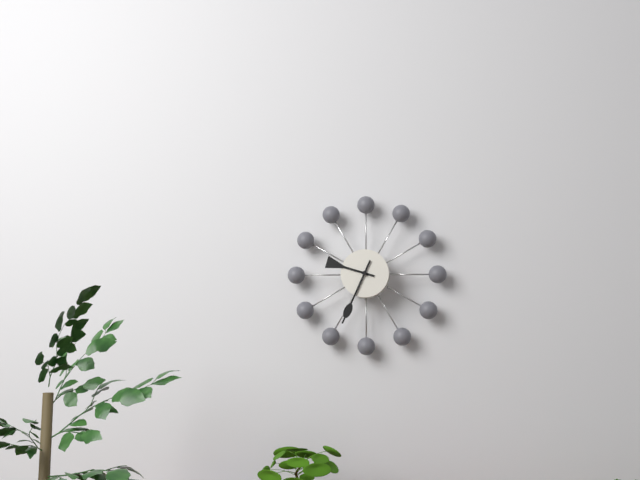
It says 9:34
